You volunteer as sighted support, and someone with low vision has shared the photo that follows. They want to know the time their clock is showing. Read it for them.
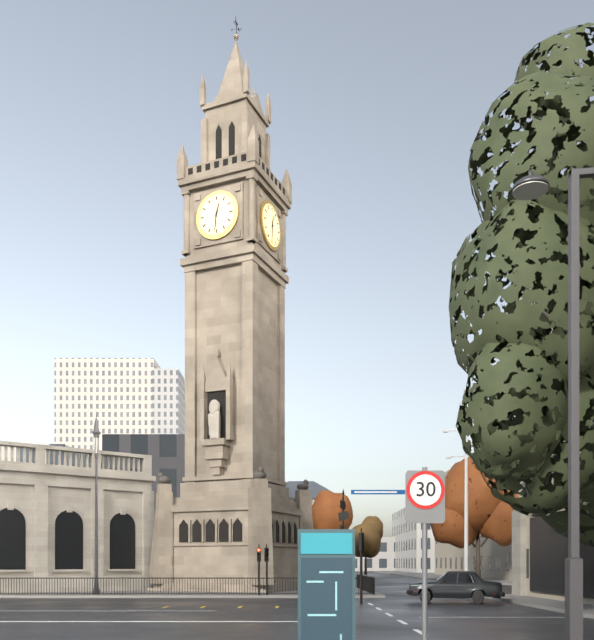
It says 12:31
